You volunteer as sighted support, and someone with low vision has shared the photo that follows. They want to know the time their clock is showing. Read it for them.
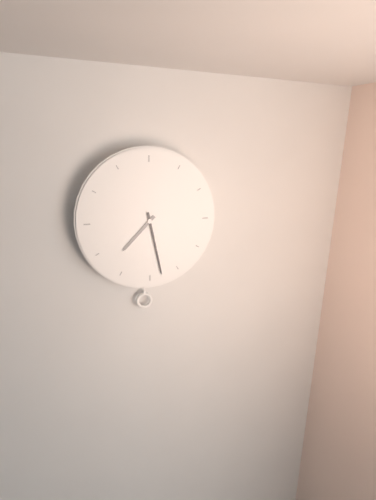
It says 7:28
